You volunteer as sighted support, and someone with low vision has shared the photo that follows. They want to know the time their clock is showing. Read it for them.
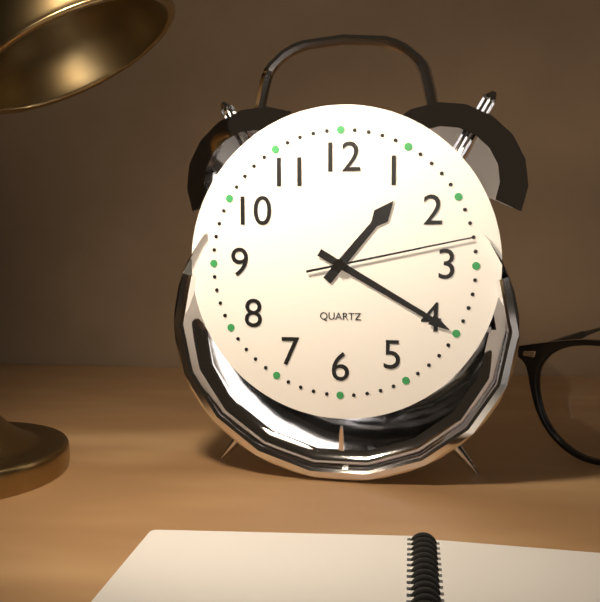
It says 1:20:13
